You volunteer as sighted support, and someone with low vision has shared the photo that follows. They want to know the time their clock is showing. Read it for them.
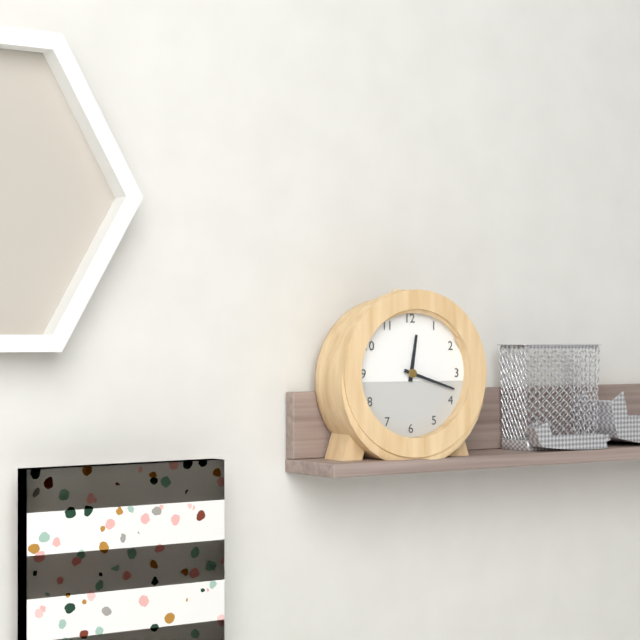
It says 12:18
